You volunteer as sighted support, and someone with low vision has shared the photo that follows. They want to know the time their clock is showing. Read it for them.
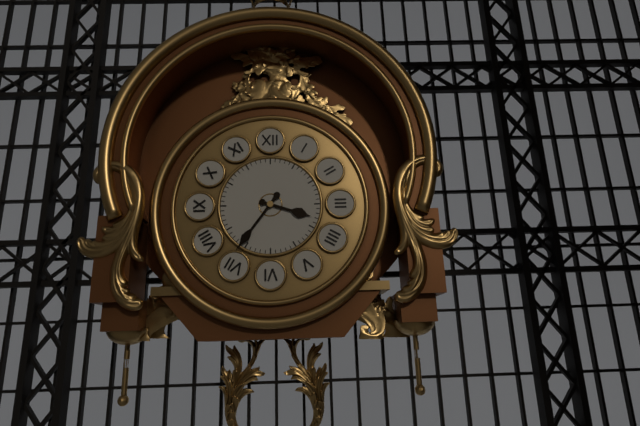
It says 3:36
